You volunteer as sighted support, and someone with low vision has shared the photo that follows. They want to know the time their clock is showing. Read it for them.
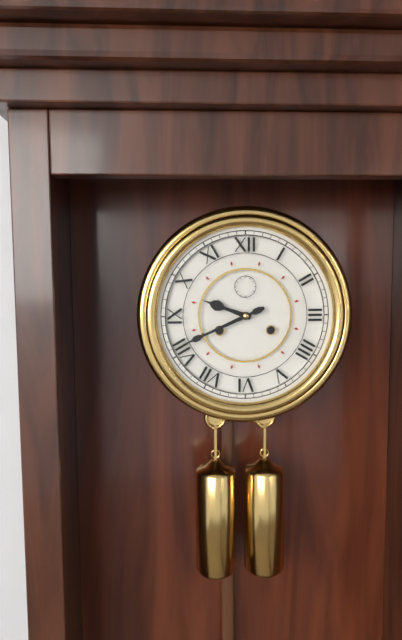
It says 9:41
